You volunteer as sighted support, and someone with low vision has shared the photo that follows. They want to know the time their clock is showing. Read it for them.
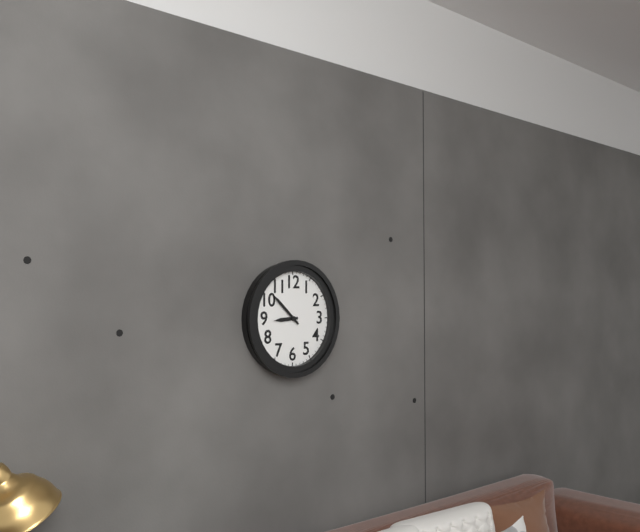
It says 8:52
